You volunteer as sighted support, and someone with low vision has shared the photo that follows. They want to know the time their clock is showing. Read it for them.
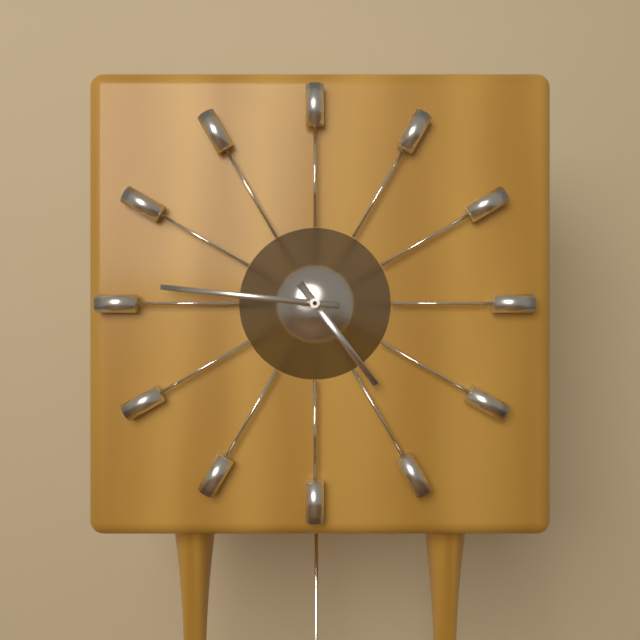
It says 4:46
